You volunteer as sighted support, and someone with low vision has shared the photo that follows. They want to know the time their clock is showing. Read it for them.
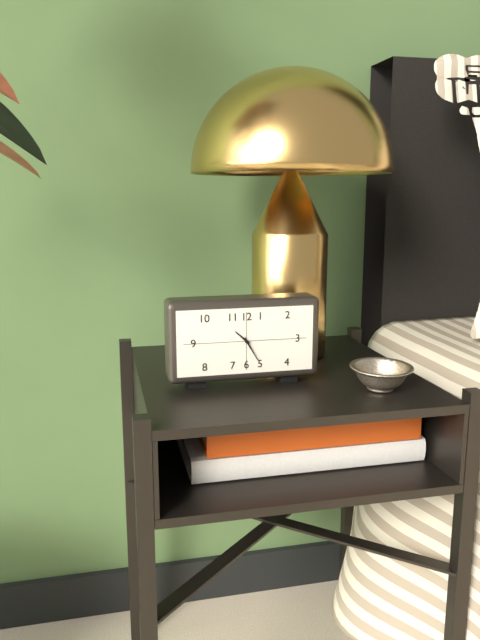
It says 10:25
